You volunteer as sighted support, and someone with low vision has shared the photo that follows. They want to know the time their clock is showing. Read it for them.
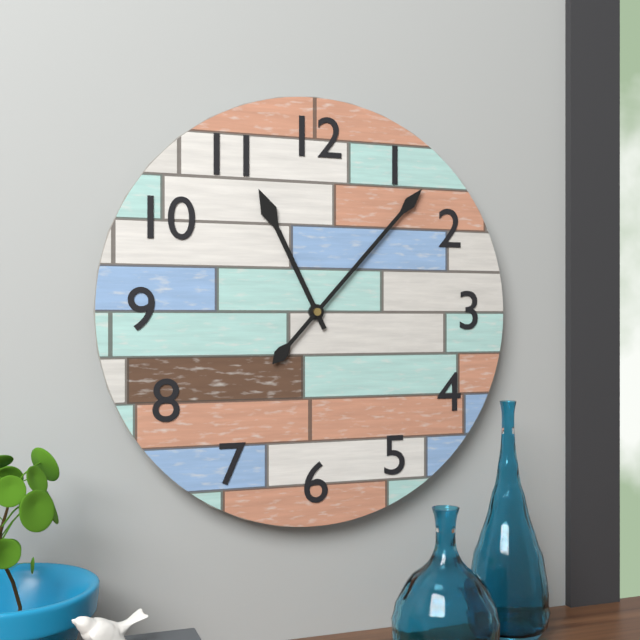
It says 11:07
